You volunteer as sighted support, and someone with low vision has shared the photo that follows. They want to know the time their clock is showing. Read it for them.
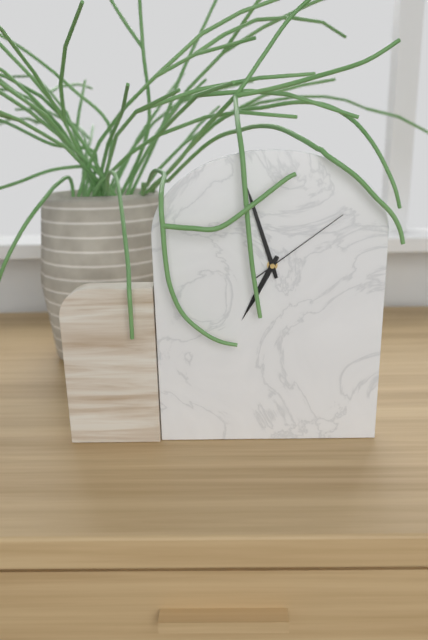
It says 6:57:09
